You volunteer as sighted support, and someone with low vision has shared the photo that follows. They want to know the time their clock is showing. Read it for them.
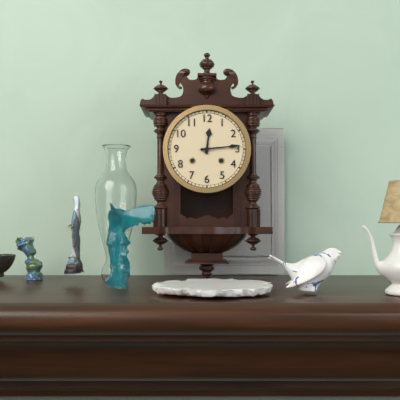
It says 12:14
